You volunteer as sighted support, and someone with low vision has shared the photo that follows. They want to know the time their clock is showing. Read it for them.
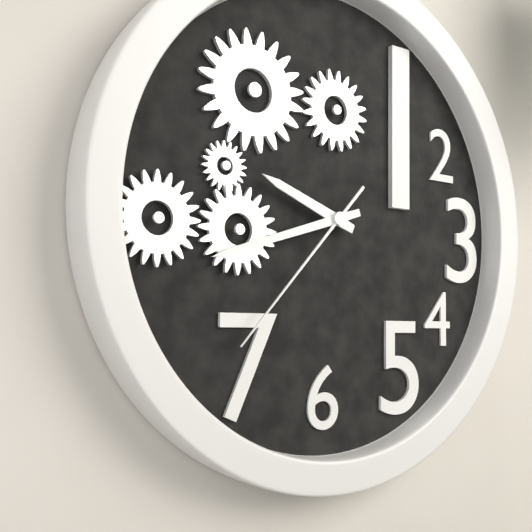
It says 9:42:37
